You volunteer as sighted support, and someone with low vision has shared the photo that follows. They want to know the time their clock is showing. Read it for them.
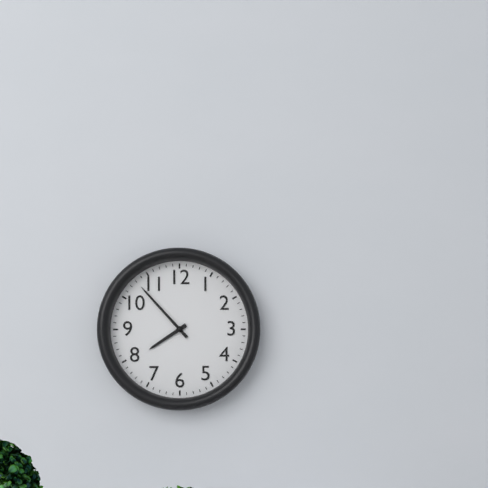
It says 7:53
